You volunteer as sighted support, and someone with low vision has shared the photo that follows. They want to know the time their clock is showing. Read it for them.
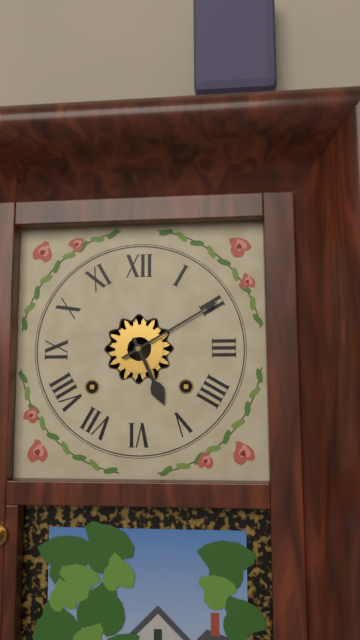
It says 5:10
